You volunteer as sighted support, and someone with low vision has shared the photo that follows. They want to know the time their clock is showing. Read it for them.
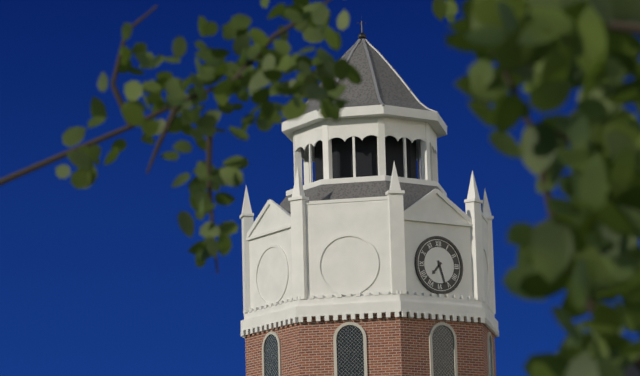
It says 7:27
